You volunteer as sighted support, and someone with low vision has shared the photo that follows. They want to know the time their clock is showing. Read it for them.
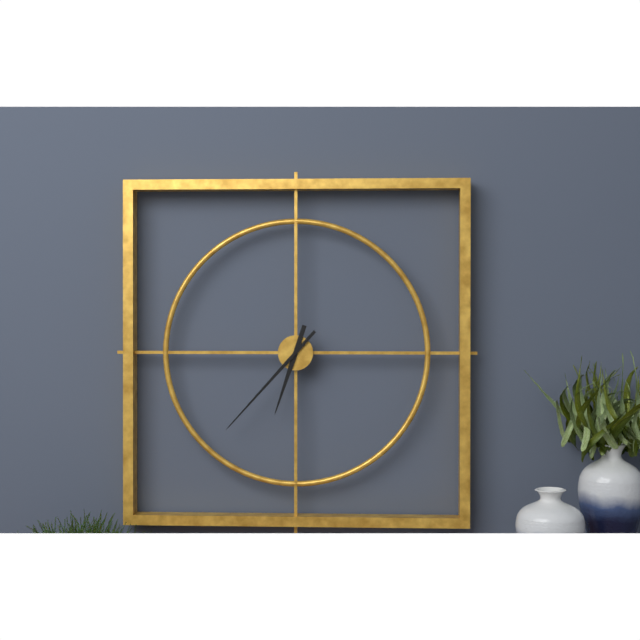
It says 6:37
